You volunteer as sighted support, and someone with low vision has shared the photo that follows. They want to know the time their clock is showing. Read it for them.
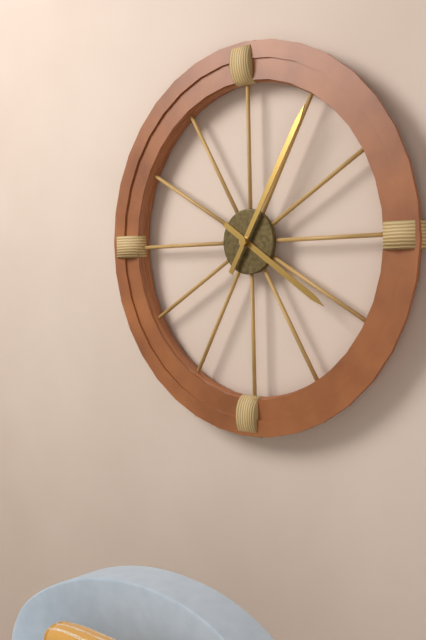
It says 4:05
